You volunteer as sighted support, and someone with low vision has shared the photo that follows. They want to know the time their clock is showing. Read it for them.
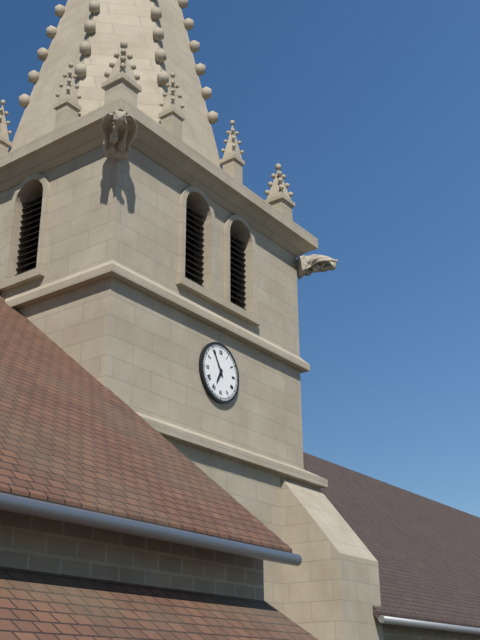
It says 6:55
